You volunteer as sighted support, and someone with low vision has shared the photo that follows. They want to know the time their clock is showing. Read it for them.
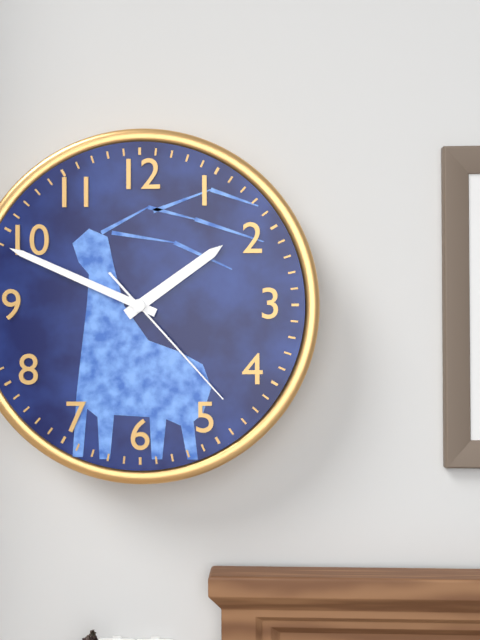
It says 1:49:23
